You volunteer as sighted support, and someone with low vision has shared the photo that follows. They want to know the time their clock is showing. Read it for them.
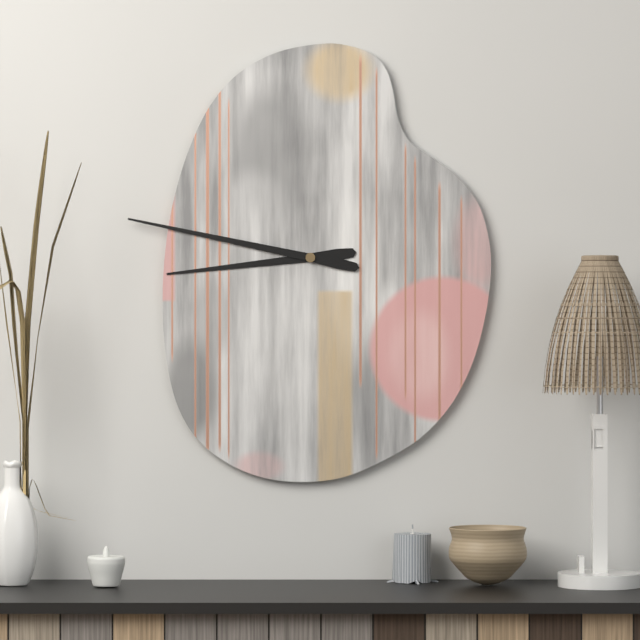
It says 8:47
